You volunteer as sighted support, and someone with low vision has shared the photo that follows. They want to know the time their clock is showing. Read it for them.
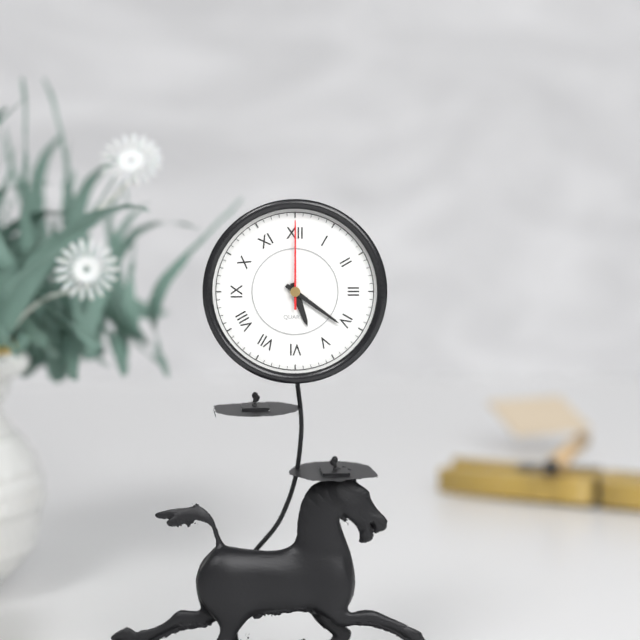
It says 5:21:00
